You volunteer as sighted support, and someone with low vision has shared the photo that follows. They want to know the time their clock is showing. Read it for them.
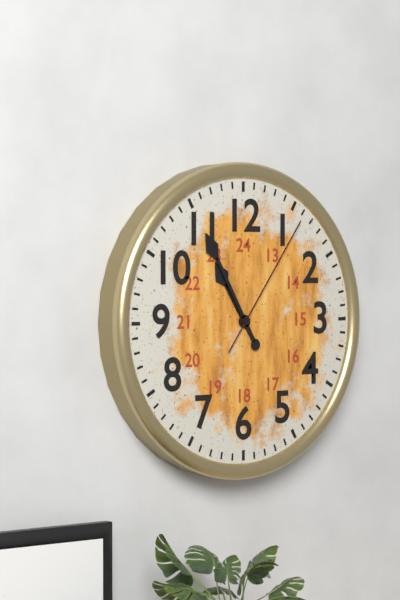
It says 10:55:06
